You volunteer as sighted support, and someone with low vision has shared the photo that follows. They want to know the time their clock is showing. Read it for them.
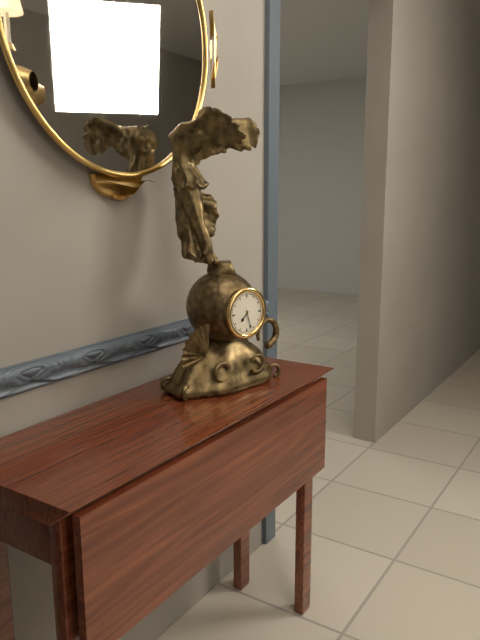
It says 7:27
